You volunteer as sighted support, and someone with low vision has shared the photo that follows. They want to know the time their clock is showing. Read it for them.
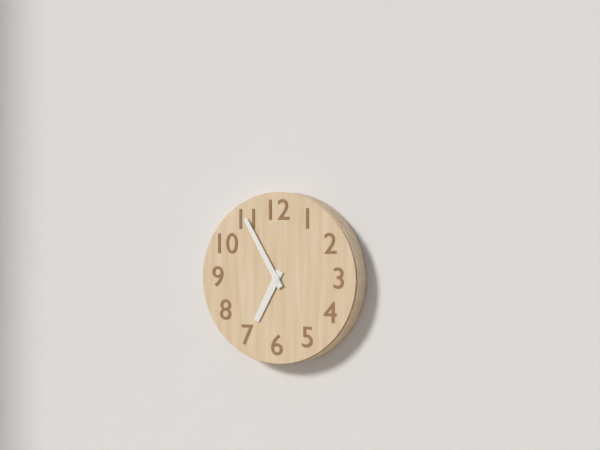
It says 6:55
